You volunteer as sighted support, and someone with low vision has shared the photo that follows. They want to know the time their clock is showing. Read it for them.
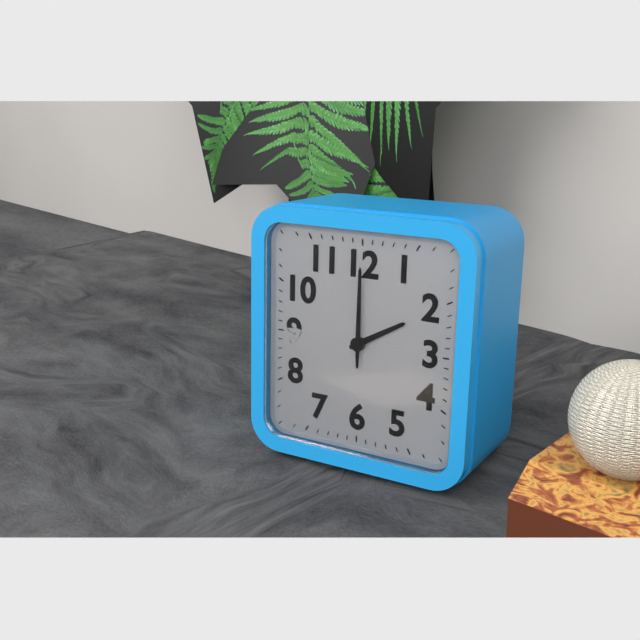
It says 2:00
